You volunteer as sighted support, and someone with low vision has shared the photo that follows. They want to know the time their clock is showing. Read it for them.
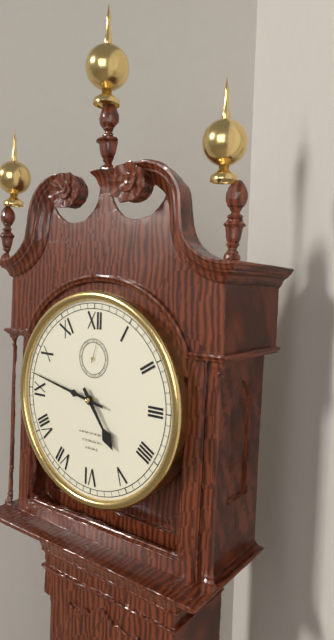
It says 4:47
